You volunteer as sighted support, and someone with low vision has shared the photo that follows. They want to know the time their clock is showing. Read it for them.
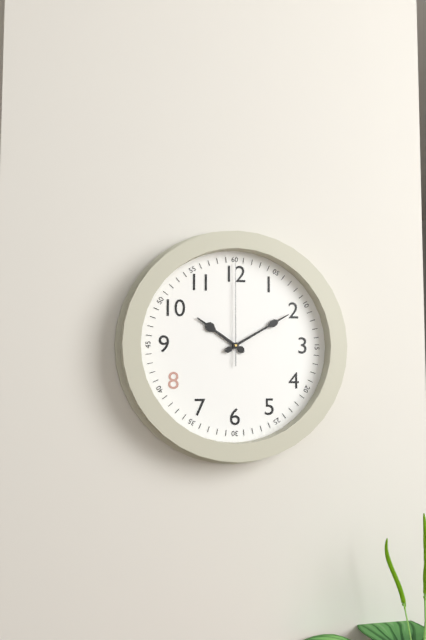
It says 10:10:00
